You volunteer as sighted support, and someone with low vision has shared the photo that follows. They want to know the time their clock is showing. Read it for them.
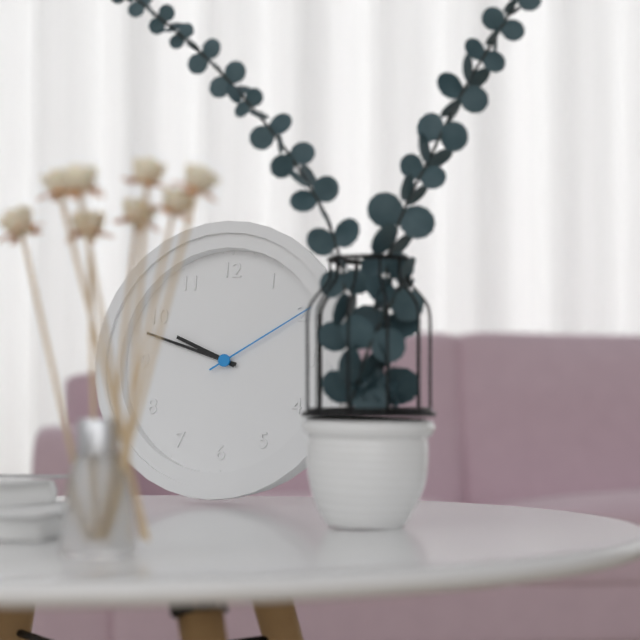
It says 9:48:10
